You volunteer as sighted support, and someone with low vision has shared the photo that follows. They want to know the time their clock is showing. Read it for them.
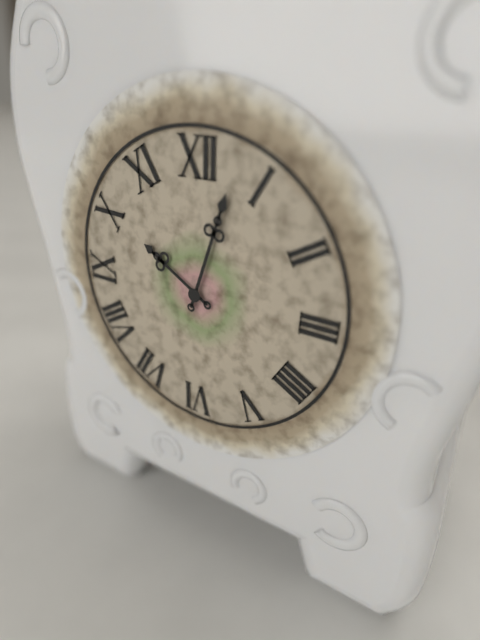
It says 10:03
